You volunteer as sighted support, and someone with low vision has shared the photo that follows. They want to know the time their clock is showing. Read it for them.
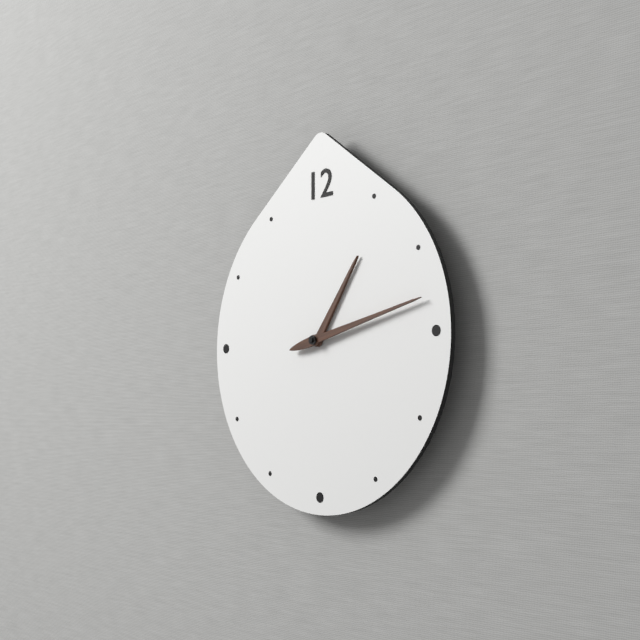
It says 1:13
